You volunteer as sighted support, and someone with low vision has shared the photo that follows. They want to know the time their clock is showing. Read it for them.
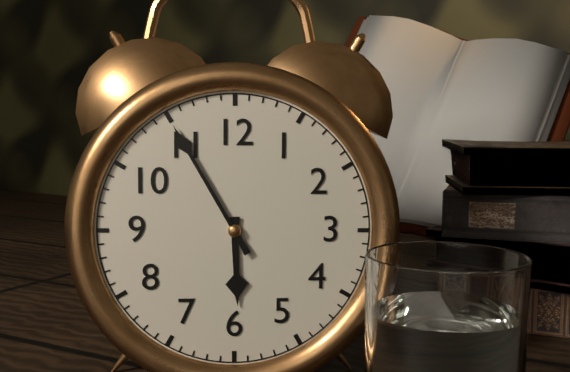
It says 5:55
